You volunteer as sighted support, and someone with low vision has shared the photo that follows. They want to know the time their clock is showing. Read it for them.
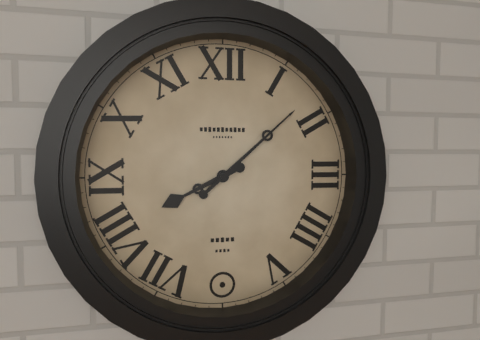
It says 8:08
